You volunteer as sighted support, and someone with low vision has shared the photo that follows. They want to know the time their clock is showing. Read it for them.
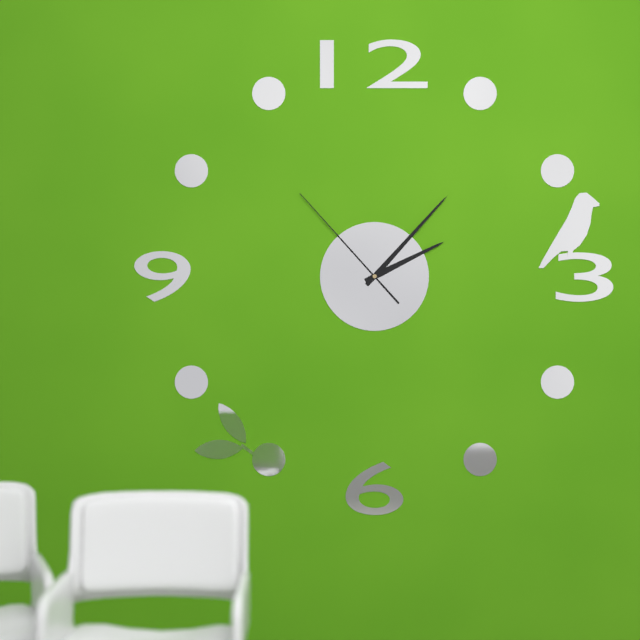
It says 2:07:53
